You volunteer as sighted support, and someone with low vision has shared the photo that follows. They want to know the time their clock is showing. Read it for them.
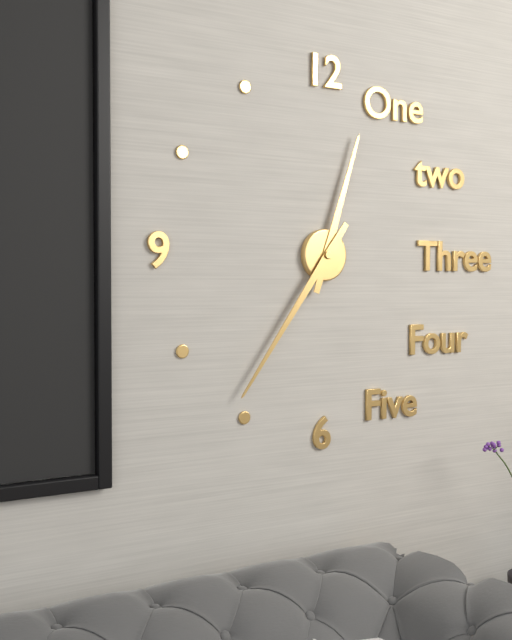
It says 12:36
